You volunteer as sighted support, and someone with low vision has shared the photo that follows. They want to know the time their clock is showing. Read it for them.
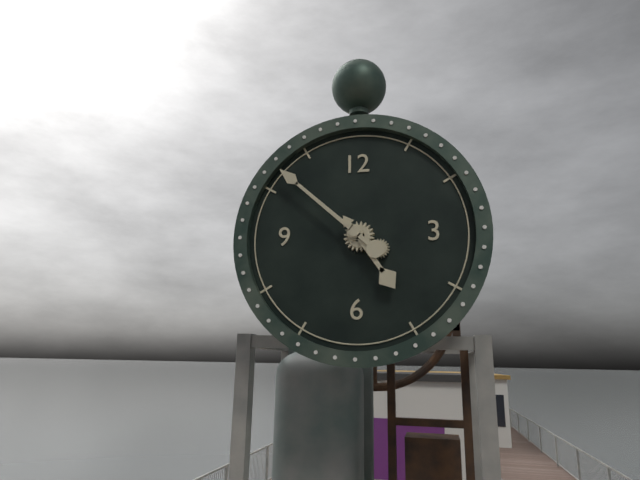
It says 4:52
